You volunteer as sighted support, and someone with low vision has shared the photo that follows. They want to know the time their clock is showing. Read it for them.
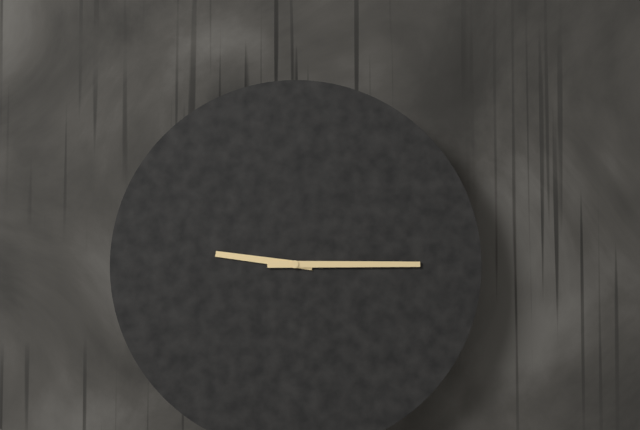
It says 9:15
